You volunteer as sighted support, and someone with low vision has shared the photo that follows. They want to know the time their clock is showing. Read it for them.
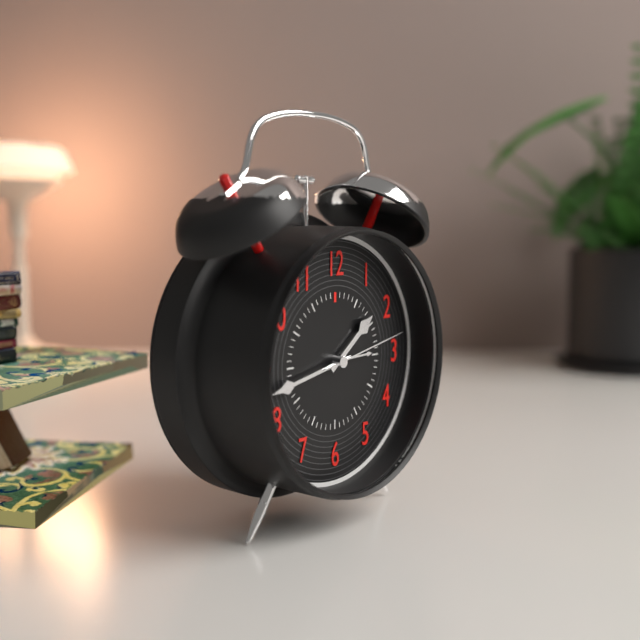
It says 1:43:13
